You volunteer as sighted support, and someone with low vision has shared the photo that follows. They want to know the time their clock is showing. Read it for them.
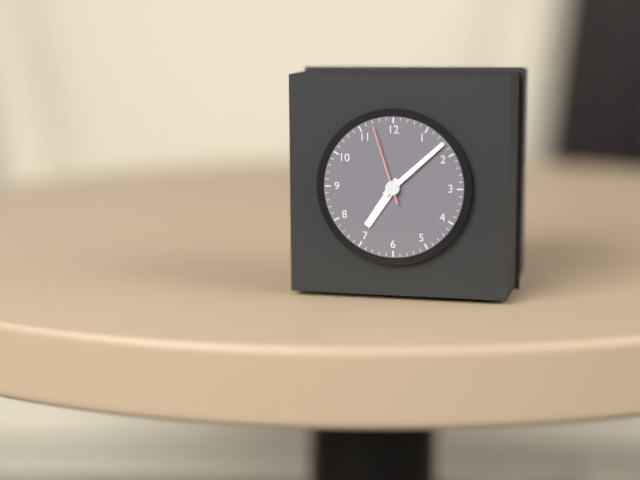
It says 7:08:57
